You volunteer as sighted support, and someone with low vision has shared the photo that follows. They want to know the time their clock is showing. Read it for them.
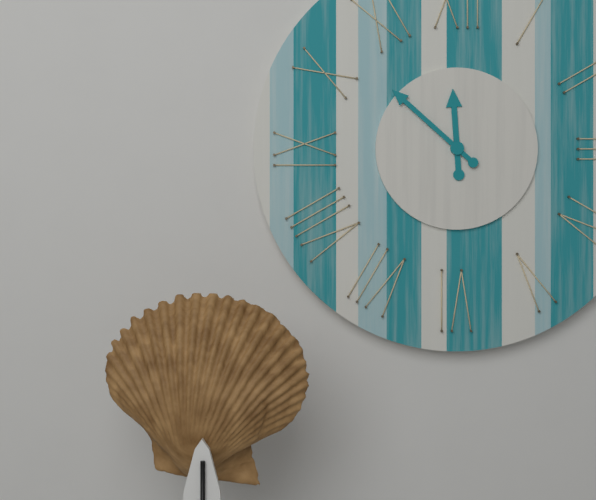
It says 11:52
